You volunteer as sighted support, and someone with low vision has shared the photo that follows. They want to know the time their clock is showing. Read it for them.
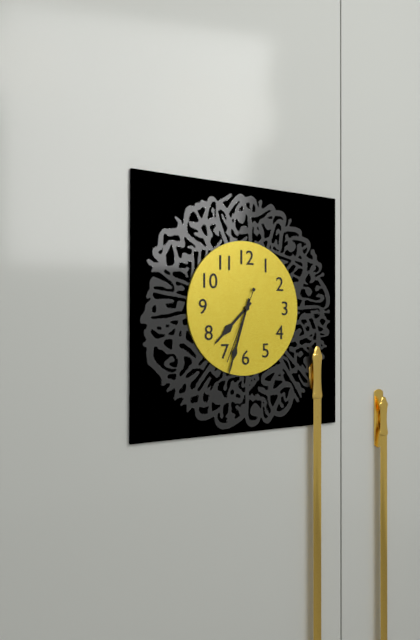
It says 7:33:34
